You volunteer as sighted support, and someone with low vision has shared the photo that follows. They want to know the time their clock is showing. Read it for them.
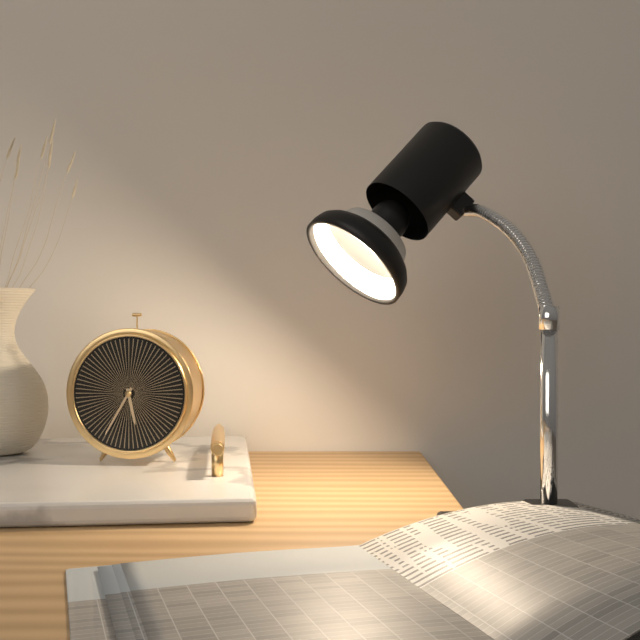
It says 5:35
